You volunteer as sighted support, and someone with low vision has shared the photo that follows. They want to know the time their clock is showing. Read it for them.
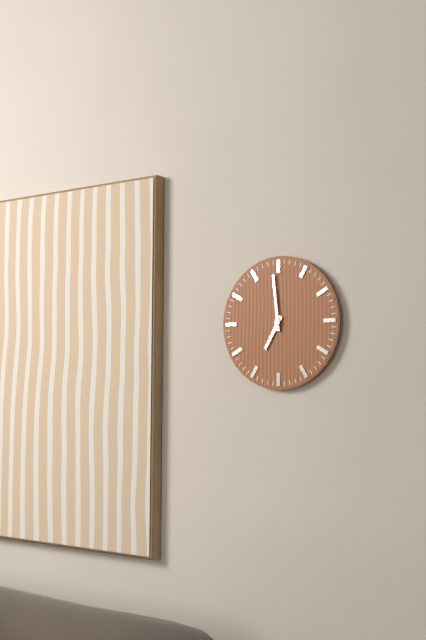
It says 6:59
